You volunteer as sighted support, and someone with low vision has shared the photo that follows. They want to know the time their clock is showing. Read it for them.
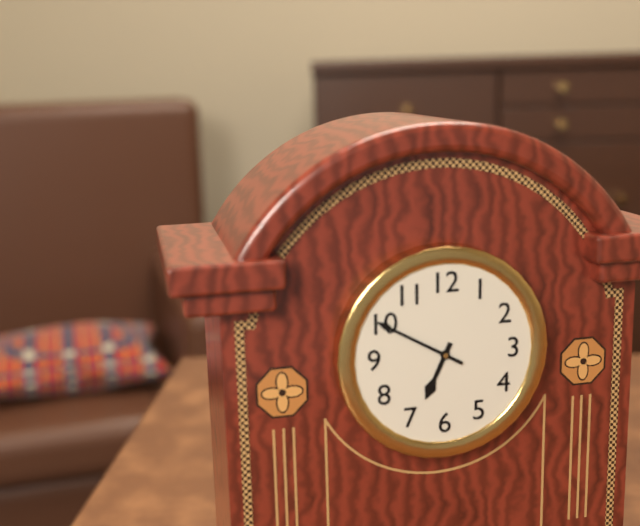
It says 6:50
